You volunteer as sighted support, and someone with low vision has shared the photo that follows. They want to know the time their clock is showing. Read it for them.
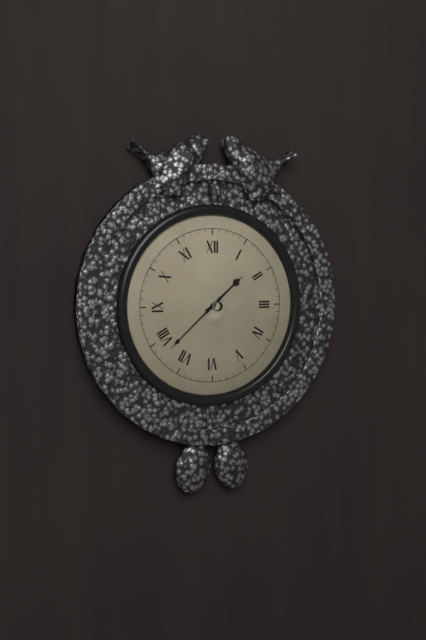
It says 1:38
